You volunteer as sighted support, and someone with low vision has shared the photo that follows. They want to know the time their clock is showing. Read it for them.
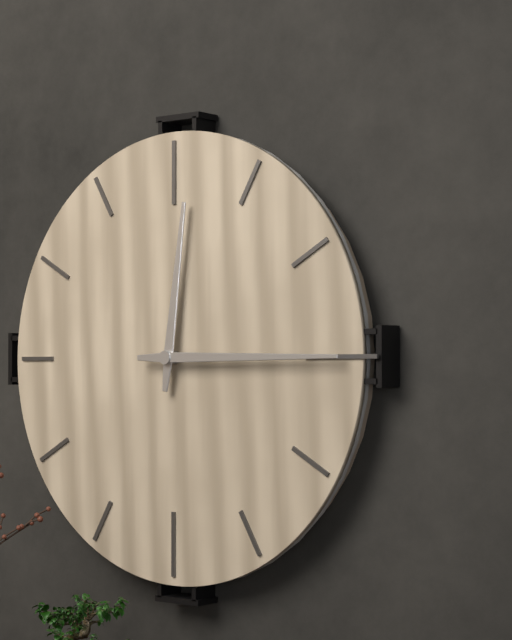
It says 12:15
